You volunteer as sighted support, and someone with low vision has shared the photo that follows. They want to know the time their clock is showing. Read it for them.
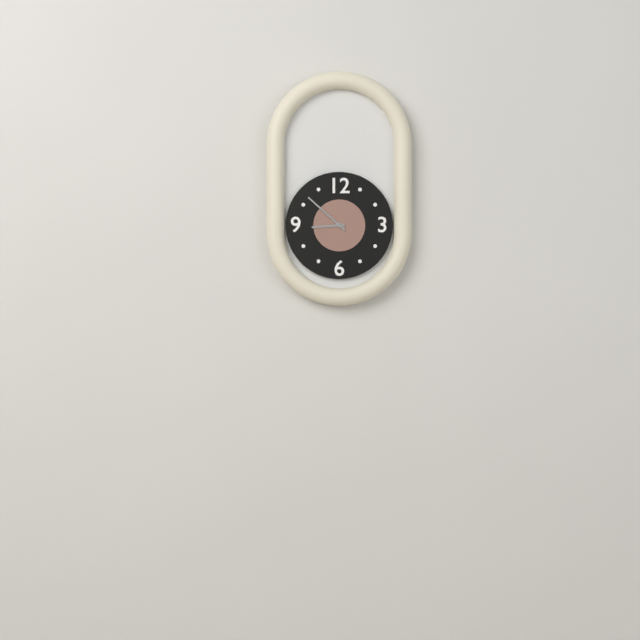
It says 8:52
